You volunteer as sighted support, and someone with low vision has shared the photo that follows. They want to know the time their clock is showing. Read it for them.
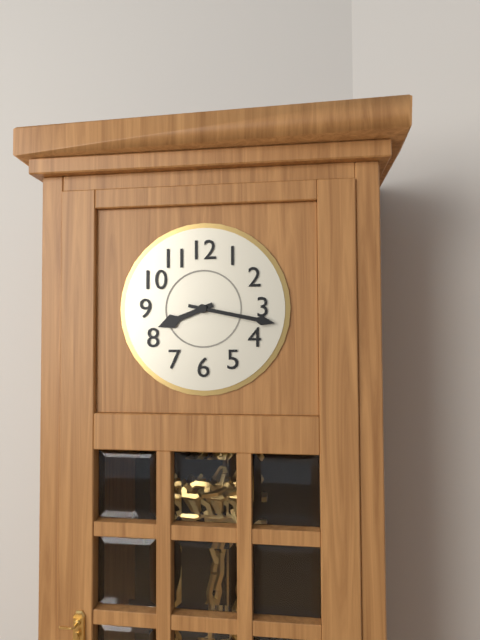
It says 8:17
